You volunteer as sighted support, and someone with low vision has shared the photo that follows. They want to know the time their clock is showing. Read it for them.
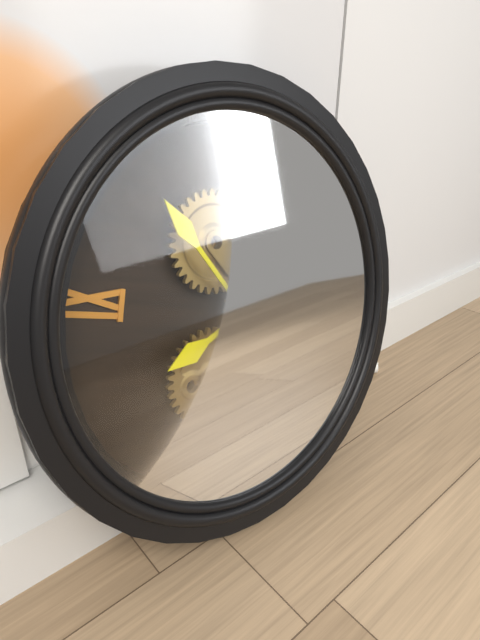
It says 7:52
